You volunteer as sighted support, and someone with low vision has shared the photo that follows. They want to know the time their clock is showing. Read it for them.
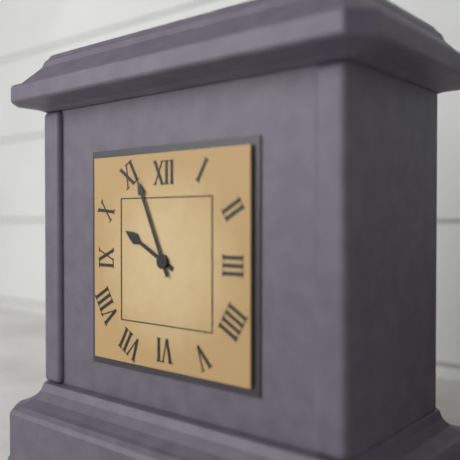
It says 9:56
